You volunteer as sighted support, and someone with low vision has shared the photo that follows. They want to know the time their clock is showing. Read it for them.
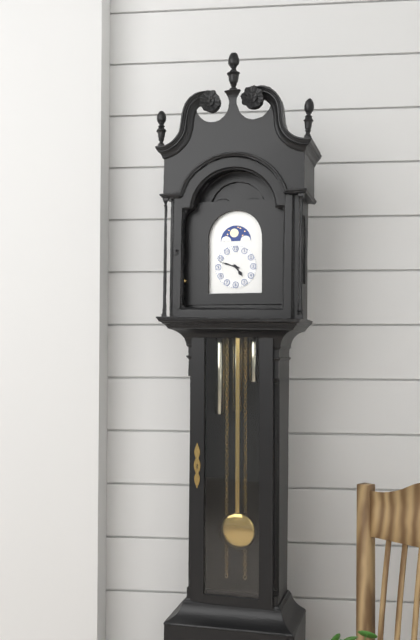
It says 4:48
